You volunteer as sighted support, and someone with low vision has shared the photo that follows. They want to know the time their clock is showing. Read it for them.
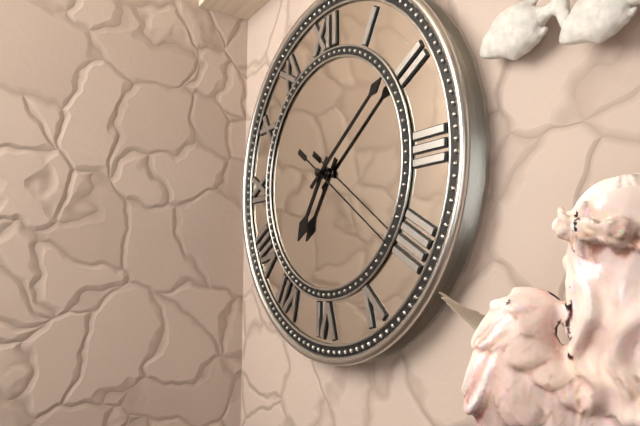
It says 7:09:21
